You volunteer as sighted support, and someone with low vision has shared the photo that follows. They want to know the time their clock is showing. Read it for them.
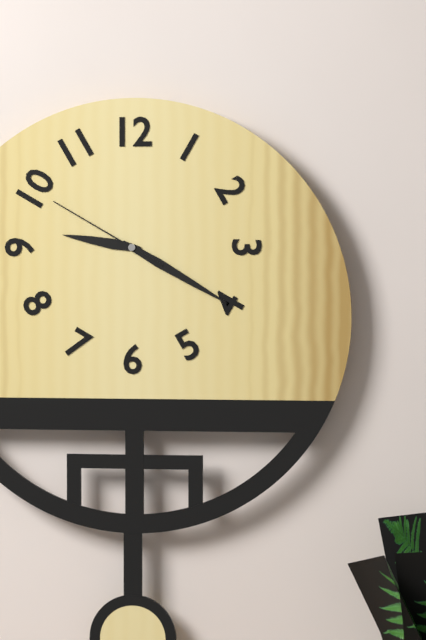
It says 9:20:50
